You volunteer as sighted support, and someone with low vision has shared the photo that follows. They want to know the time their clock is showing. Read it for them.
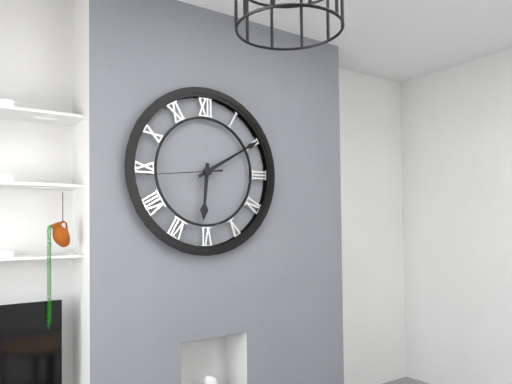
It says 6:10:44
